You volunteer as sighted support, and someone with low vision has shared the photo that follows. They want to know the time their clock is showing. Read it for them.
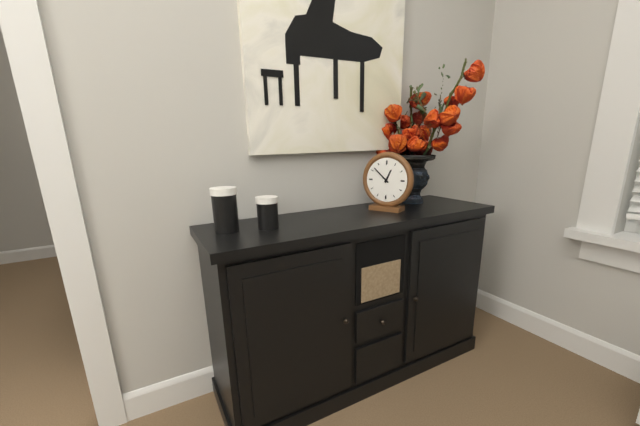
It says 12:52
